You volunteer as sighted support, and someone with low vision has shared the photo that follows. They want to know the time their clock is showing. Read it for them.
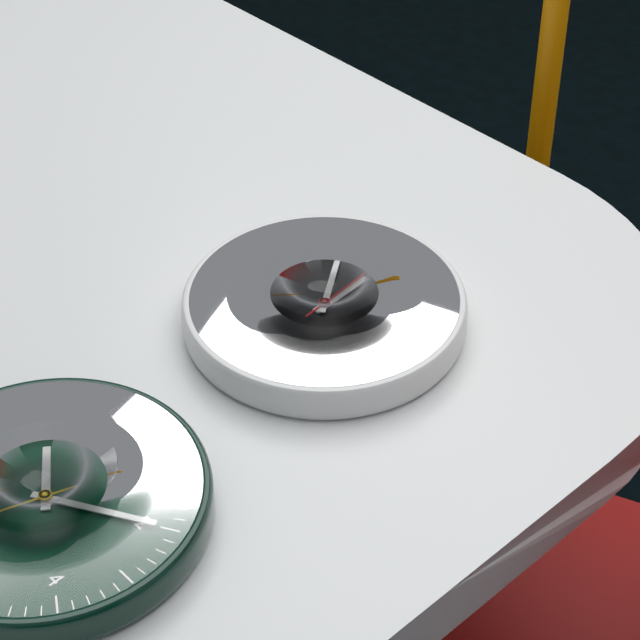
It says 11:54:59
